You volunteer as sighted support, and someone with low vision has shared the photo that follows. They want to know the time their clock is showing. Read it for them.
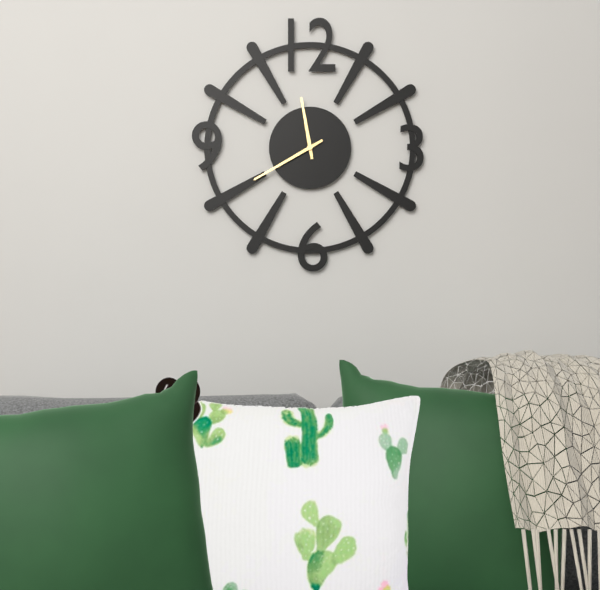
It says 11:40
